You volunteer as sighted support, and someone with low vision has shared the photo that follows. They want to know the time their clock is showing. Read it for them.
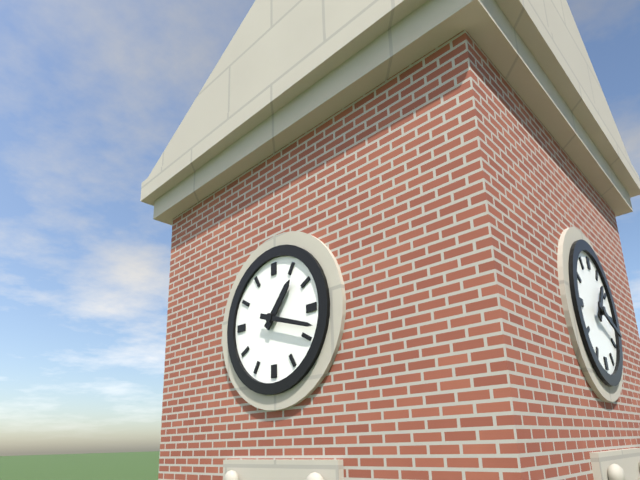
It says 1:18
